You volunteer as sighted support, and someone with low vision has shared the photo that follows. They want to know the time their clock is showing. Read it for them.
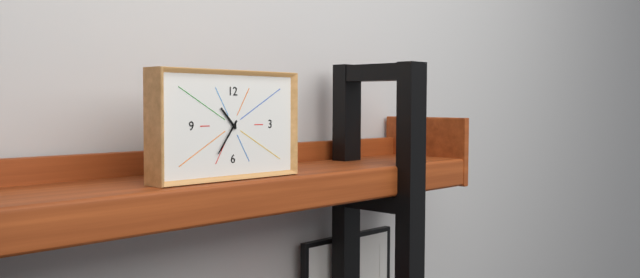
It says 10:36
